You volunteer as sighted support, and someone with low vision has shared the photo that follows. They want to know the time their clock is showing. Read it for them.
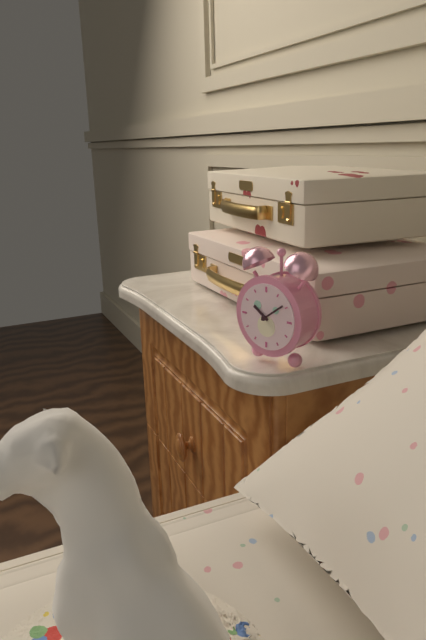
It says 10:09
